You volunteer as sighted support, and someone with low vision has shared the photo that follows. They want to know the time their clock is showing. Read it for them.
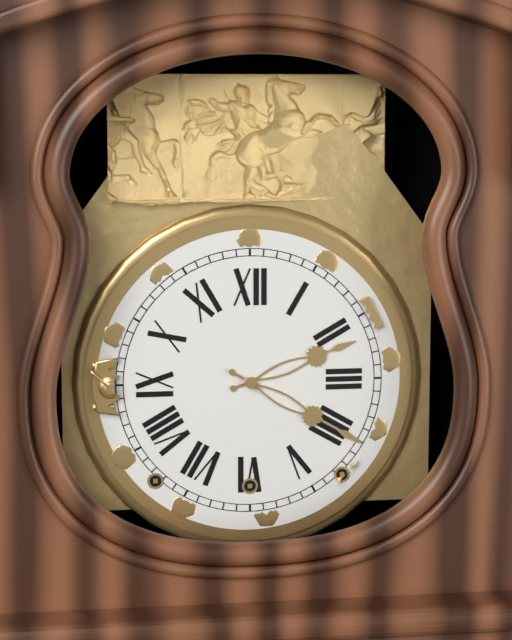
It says 2:20
